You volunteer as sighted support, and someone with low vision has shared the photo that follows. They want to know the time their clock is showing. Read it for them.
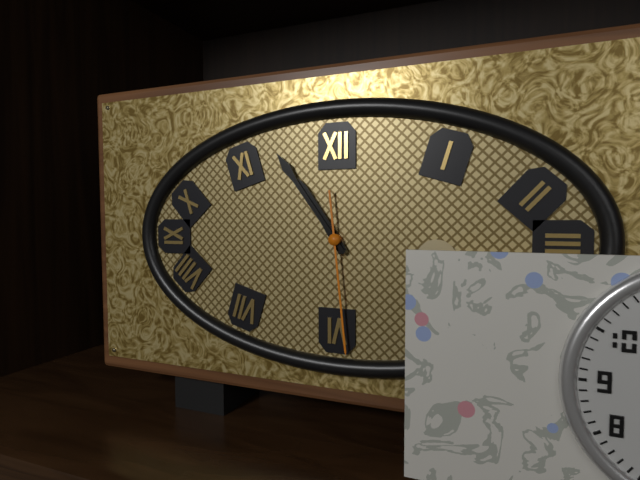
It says 10:54:29
